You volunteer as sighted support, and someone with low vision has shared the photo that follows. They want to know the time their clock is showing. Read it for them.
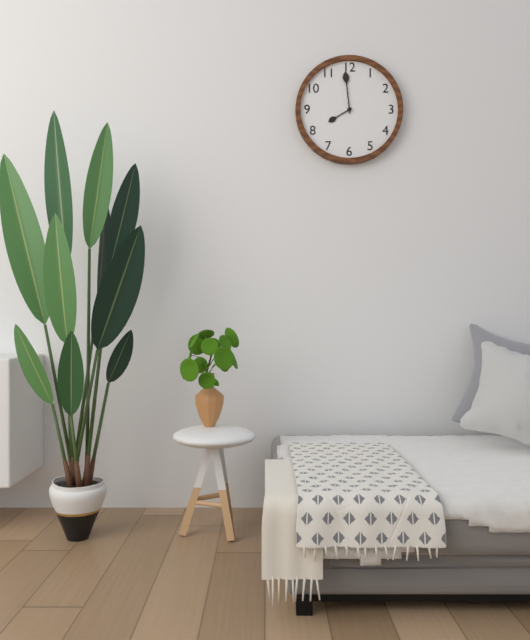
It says 7:59
